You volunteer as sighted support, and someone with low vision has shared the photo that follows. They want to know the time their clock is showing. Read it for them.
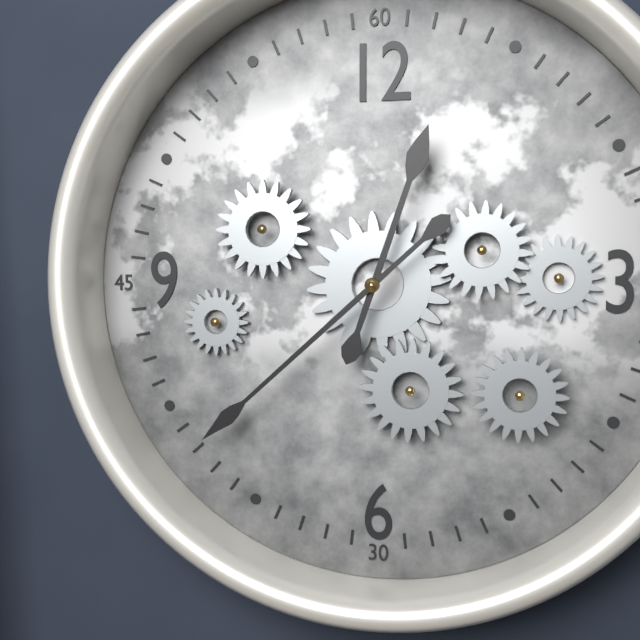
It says 12:38
